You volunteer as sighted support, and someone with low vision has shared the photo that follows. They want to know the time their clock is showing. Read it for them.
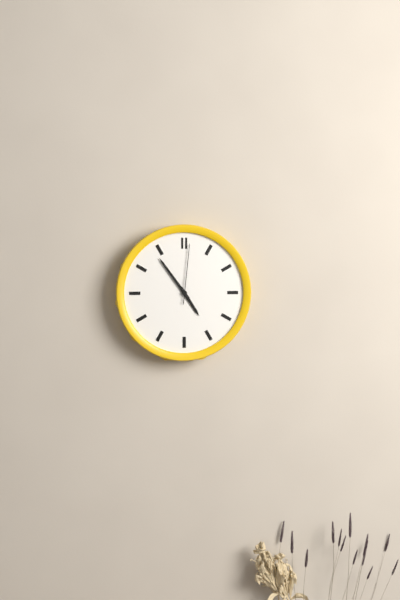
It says 4:54:01
